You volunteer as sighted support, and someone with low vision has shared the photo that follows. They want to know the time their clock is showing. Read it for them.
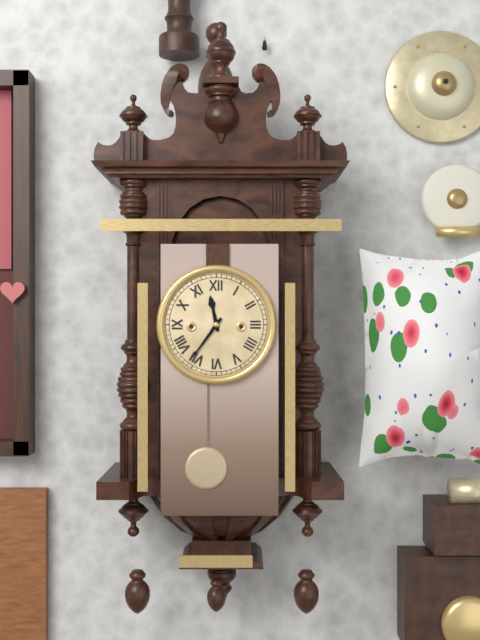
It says 11:36
